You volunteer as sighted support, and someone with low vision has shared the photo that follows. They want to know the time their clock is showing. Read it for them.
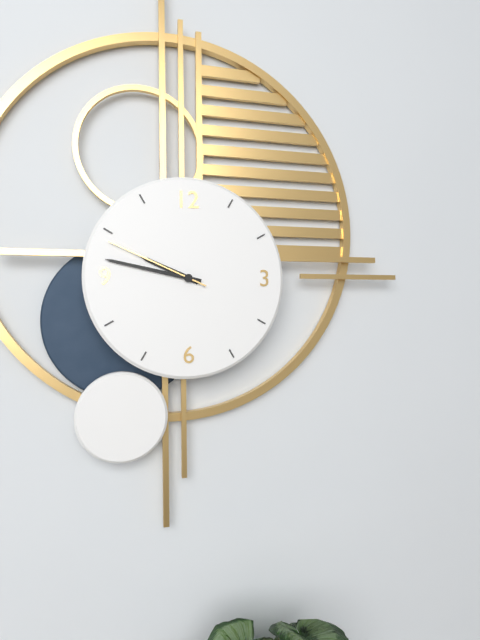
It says 9:47:49
